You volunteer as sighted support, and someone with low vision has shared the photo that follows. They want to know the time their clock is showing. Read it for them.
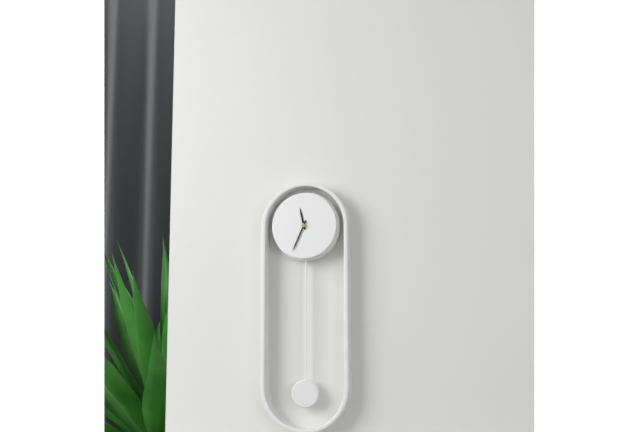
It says 11:34
